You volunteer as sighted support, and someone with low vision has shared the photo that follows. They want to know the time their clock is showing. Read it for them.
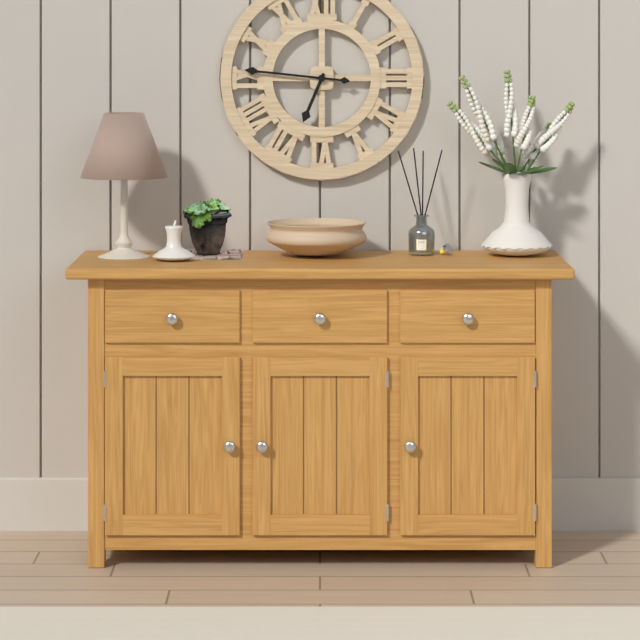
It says 6:46
